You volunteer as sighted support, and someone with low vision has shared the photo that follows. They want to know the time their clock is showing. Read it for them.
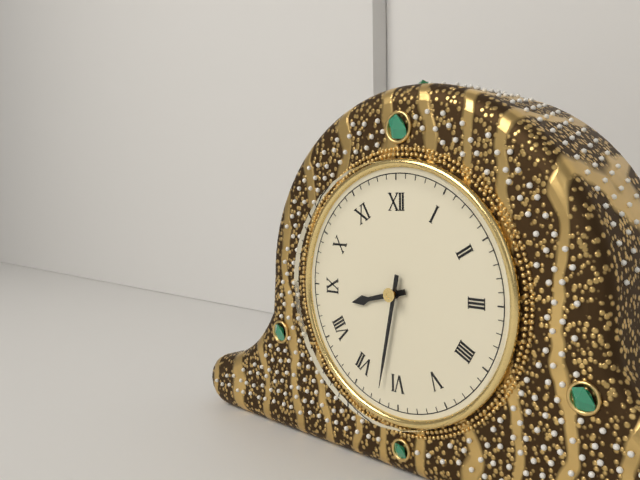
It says 8:32
